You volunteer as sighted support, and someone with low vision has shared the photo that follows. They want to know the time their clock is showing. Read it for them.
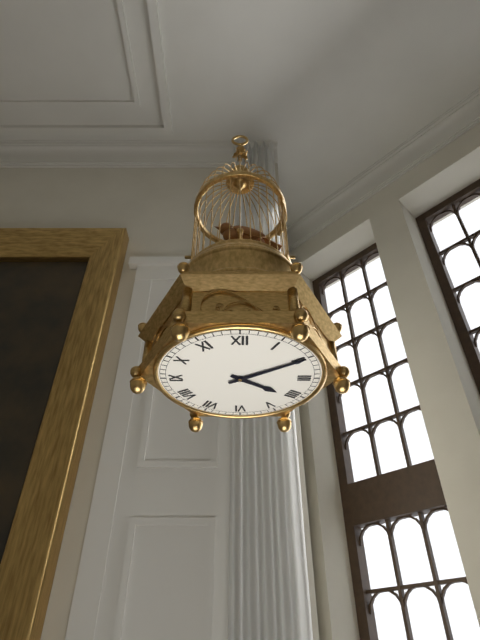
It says 4:10
